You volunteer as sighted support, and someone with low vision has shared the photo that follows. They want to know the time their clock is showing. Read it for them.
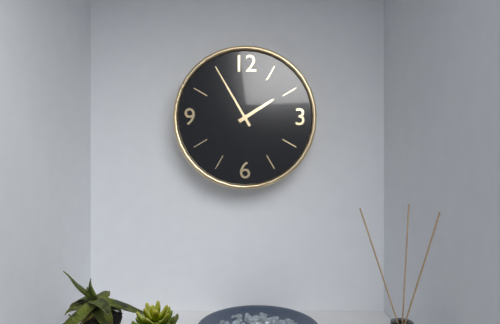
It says 1:55
